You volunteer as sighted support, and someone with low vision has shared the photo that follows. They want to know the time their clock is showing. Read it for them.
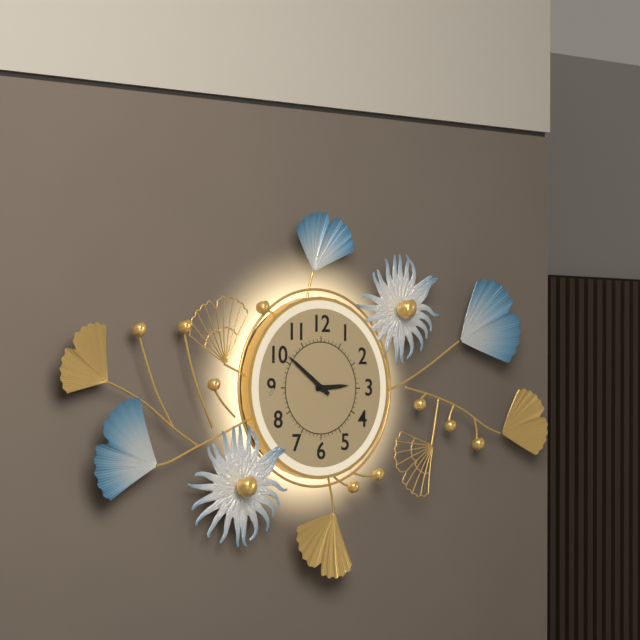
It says 2:51
